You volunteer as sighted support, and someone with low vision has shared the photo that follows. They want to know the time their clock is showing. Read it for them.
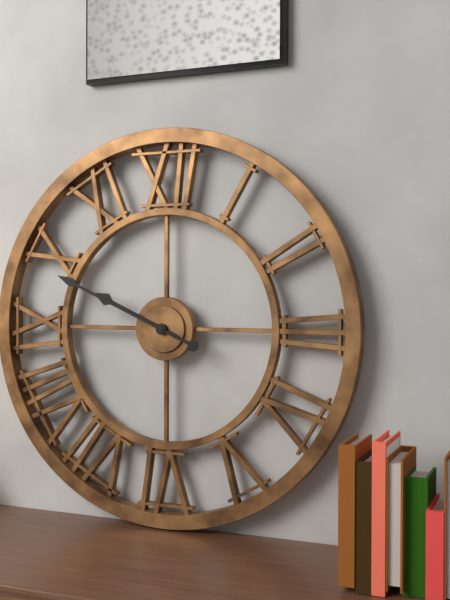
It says 9:49
